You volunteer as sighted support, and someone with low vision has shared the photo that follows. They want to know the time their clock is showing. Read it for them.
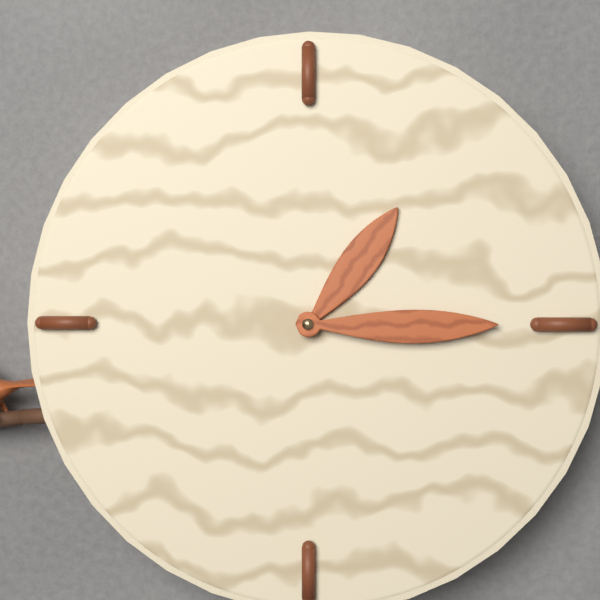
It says 1:15
